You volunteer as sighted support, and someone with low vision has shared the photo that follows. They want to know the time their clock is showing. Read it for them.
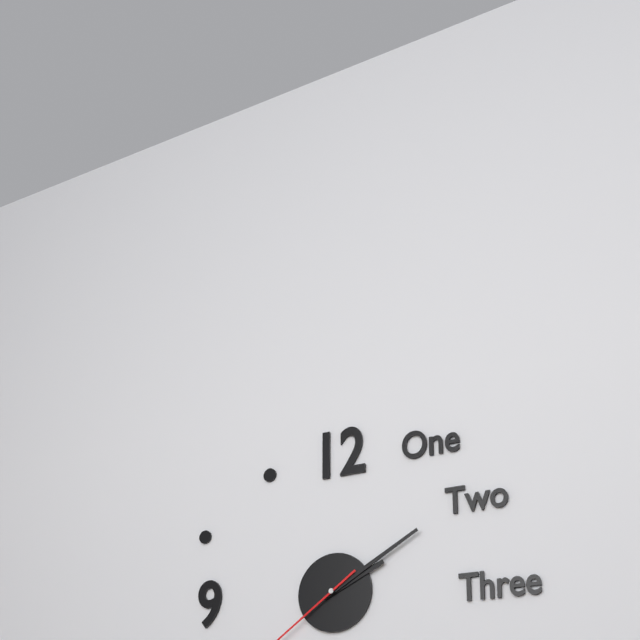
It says 2:10
